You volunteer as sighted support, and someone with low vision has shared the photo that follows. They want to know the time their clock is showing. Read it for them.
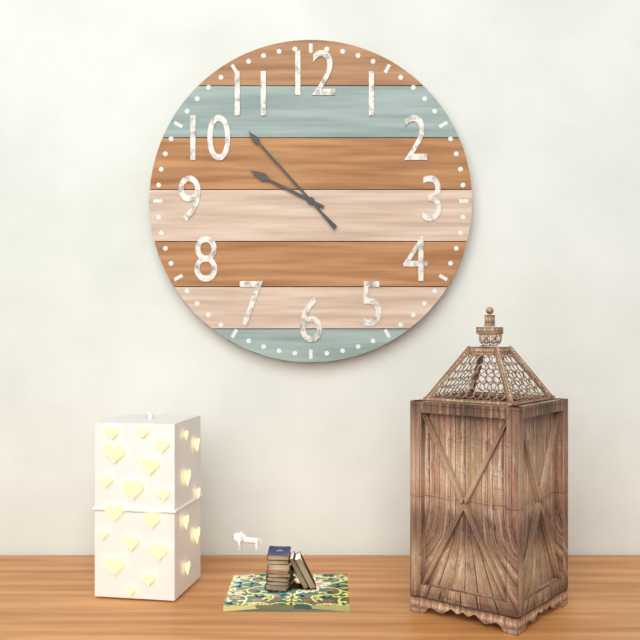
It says 9:53
